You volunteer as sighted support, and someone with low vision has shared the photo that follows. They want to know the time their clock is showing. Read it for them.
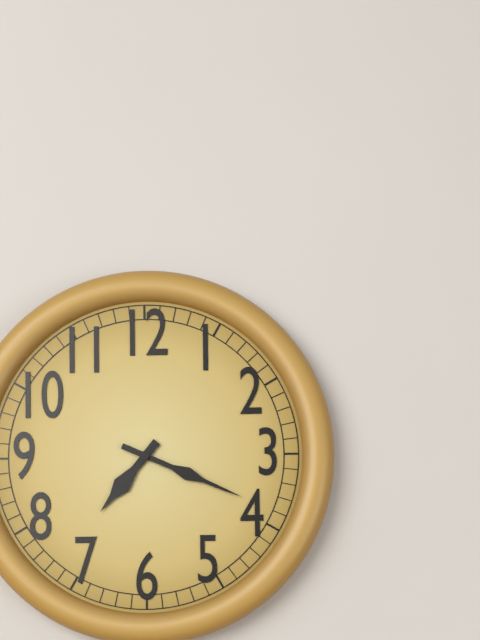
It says 7:19
